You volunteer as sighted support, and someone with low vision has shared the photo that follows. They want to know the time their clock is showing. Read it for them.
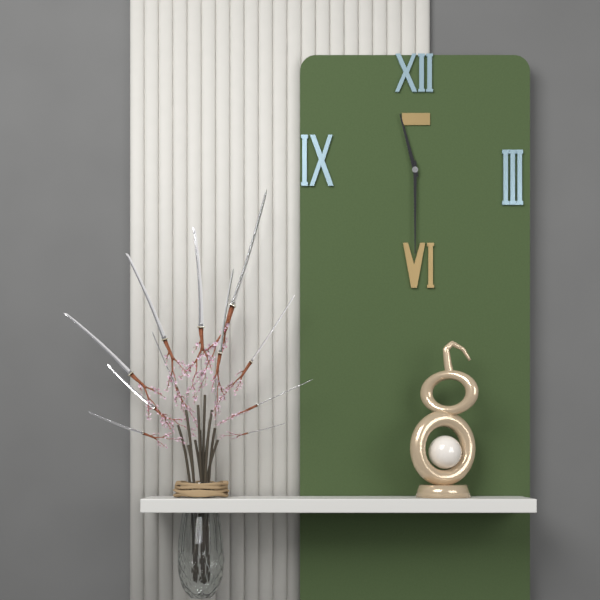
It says 11:30
